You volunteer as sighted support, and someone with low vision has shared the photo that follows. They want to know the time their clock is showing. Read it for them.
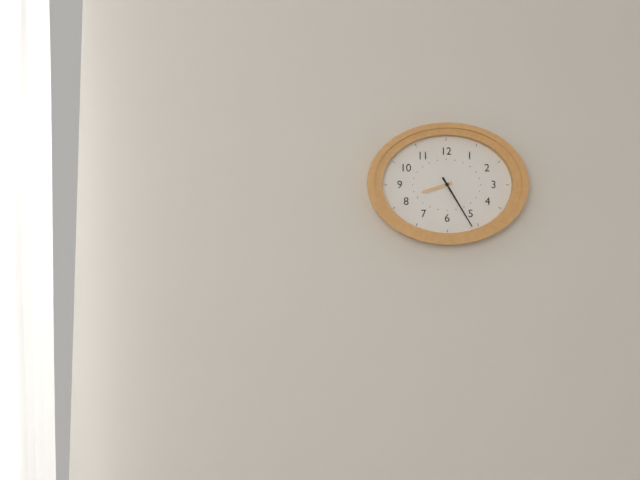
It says 8:25
